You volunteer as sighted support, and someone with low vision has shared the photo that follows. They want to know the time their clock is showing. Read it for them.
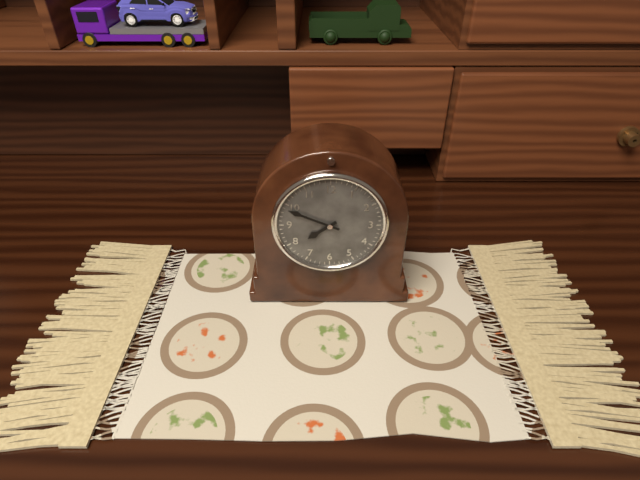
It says 7:49
